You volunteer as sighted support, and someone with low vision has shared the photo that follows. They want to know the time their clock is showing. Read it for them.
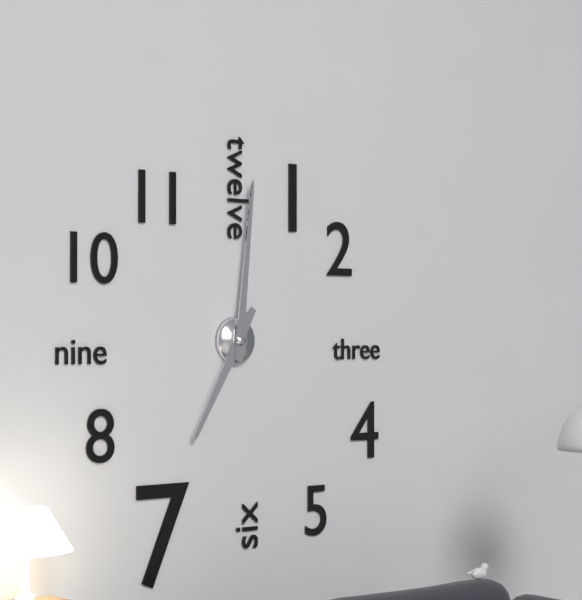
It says 7:01
